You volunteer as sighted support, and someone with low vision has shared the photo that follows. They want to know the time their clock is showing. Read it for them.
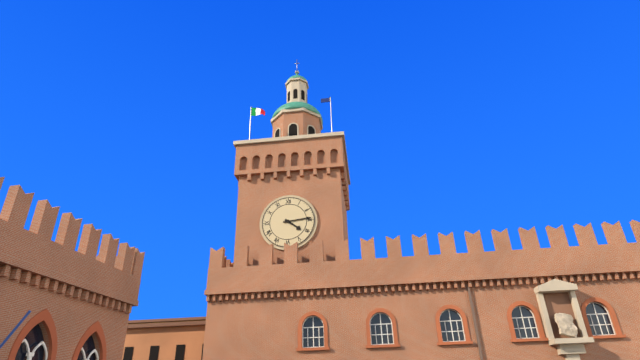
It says 4:14
